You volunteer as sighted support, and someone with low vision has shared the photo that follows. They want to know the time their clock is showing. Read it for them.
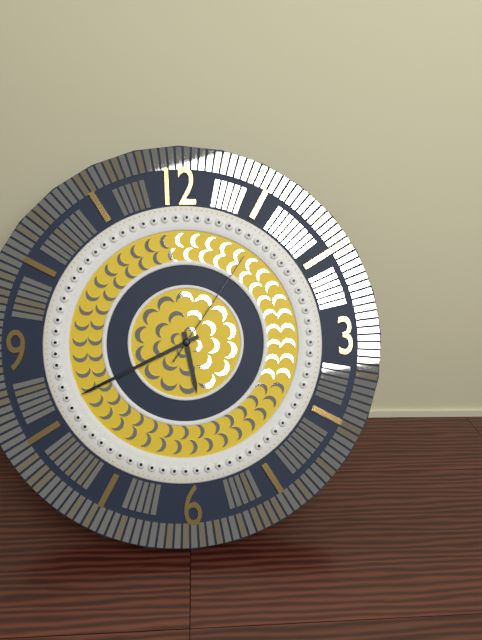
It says 5:41:06
